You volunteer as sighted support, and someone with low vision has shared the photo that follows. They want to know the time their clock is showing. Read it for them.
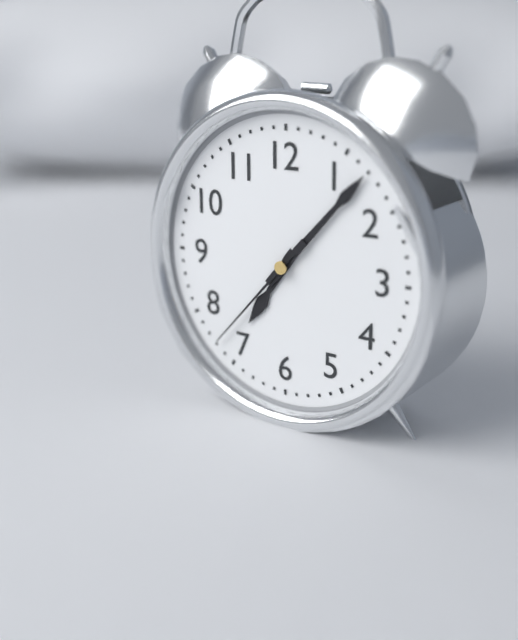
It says 7:07:37
